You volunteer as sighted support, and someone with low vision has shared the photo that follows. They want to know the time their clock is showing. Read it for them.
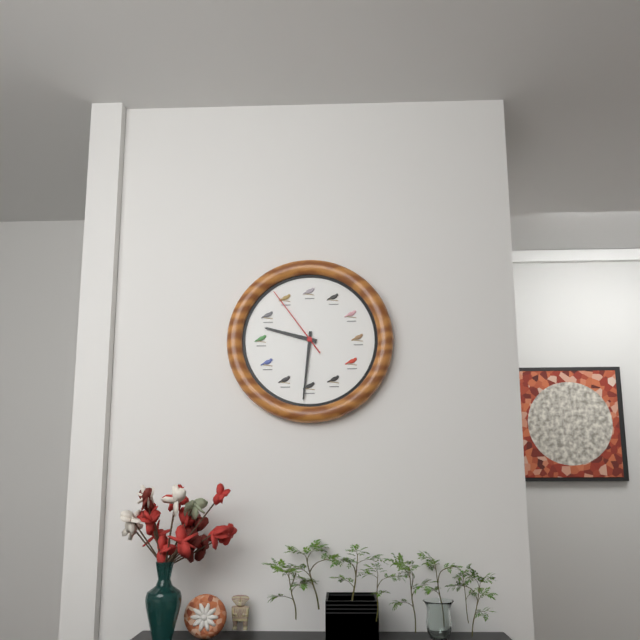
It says 9:31:54
